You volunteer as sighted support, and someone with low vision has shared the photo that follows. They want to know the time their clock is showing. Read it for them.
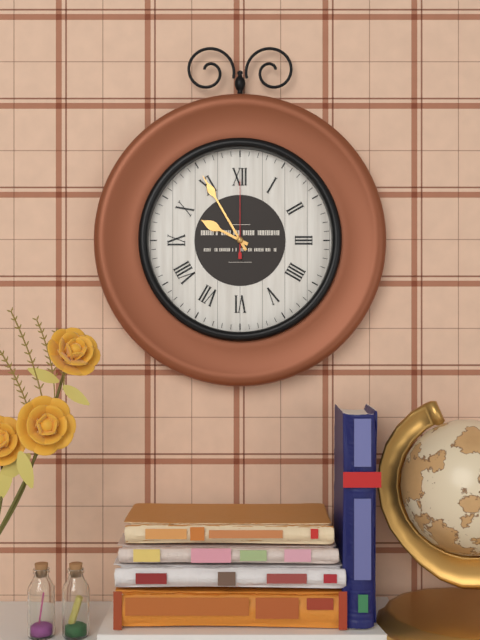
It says 9:55:00
